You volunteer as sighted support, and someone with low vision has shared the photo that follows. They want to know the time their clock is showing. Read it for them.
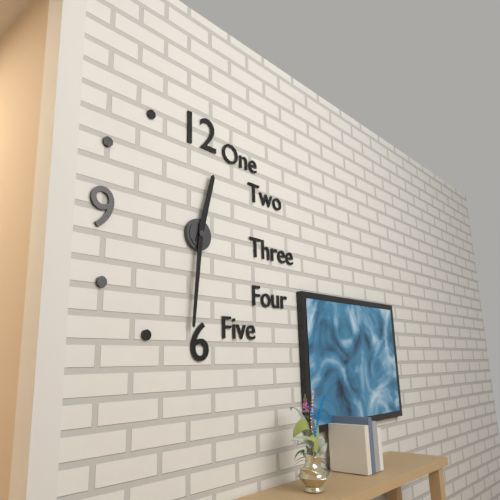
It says 12:31
